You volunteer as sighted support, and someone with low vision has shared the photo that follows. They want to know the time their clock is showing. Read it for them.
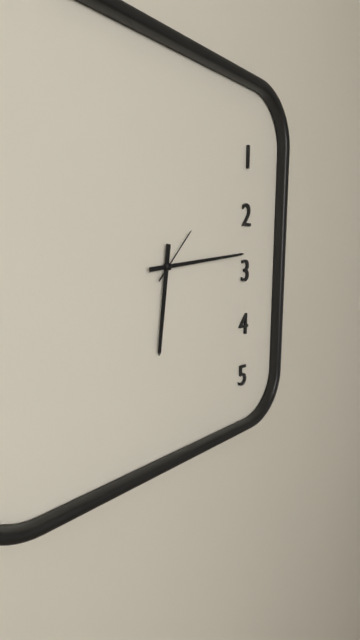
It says 6:14:07
